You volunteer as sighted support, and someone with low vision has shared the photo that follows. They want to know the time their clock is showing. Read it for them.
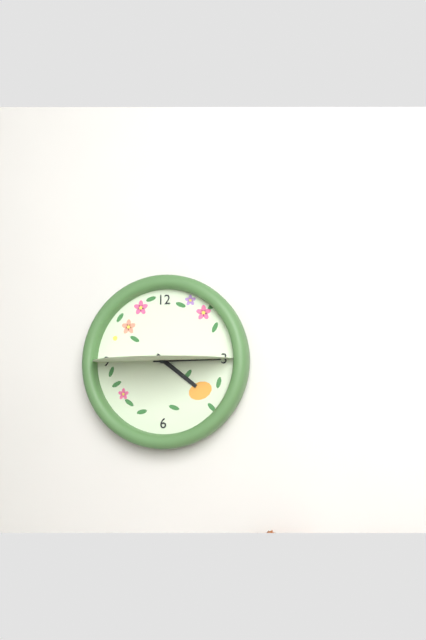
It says 4:15
